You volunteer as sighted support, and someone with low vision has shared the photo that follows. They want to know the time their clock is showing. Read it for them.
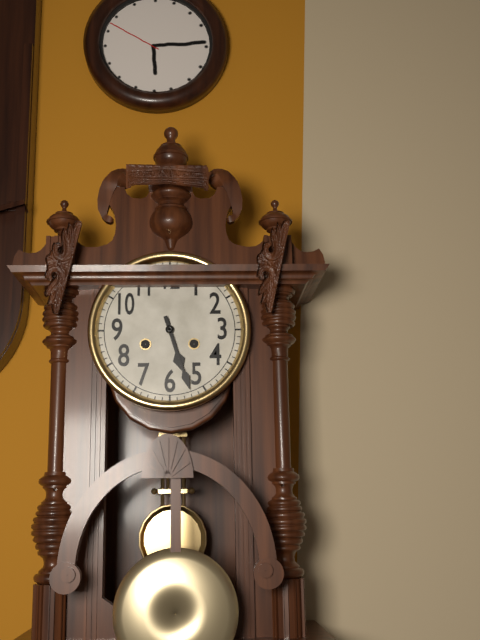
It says 5:27
